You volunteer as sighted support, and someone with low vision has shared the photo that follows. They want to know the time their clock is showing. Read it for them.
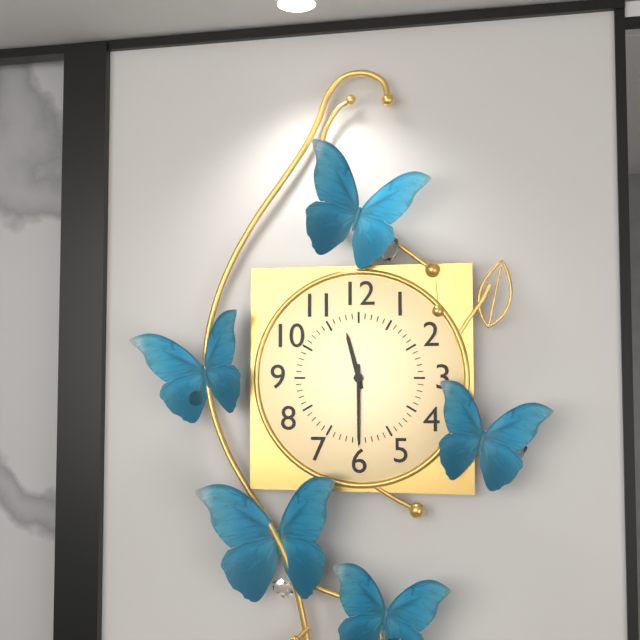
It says 11:30
